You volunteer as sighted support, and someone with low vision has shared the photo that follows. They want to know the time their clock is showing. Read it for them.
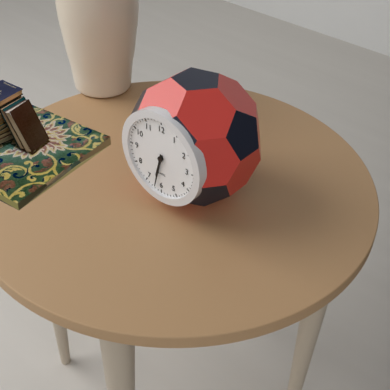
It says 6:32
